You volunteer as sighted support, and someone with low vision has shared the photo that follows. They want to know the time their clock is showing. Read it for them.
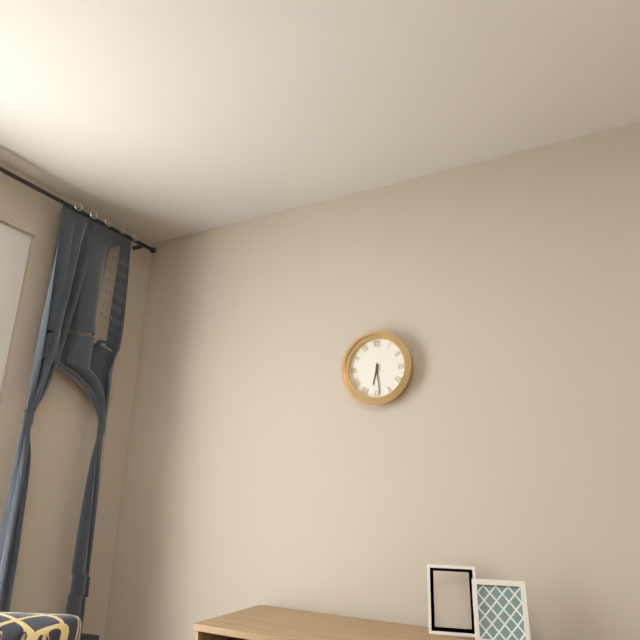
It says 6:29
